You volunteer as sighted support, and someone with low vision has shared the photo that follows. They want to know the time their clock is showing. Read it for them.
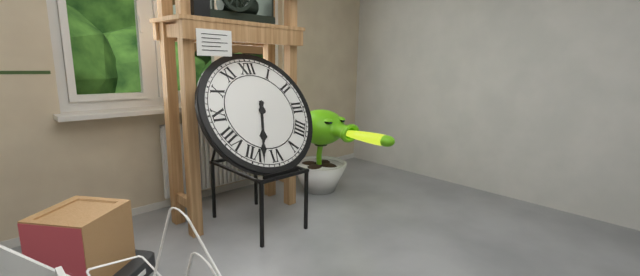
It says 6:33
